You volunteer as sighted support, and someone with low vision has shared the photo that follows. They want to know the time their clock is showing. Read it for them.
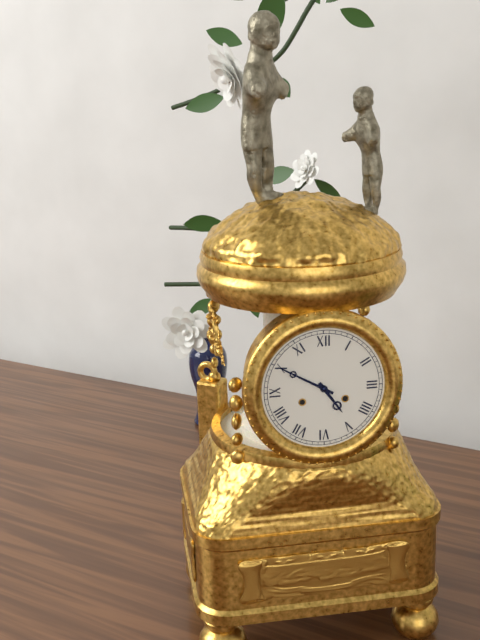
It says 4:50
